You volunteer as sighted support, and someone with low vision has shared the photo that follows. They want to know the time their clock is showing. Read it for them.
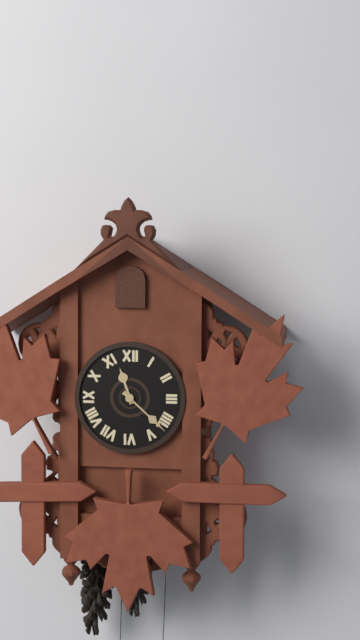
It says 11:22
